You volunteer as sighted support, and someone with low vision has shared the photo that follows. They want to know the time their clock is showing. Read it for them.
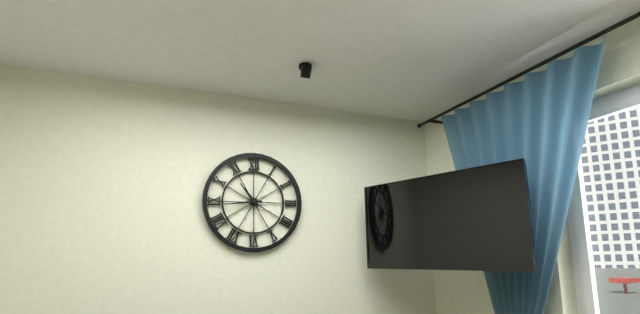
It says 10:44
